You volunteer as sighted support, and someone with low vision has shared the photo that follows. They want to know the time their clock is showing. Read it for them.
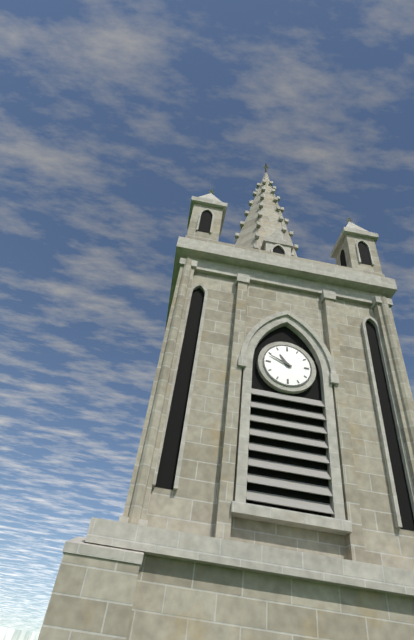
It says 10:49
